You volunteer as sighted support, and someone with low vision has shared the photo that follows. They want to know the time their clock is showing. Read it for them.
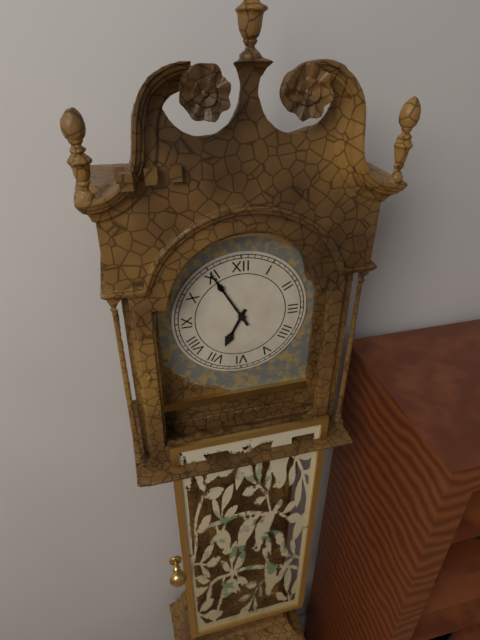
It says 6:55
